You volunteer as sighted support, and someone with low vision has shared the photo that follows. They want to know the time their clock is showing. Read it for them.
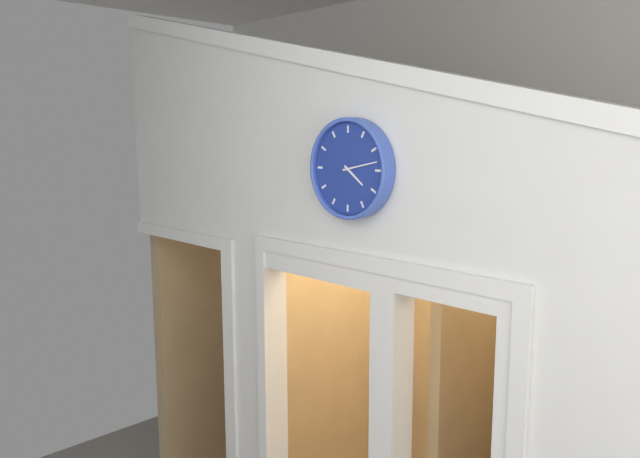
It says 4:13
